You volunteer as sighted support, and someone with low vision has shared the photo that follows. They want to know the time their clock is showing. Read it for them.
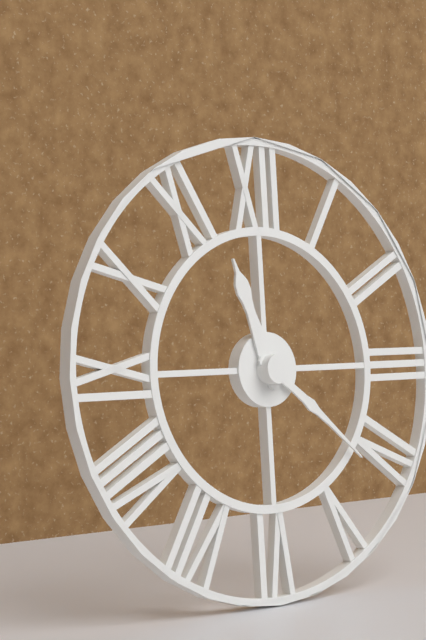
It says 11:21
